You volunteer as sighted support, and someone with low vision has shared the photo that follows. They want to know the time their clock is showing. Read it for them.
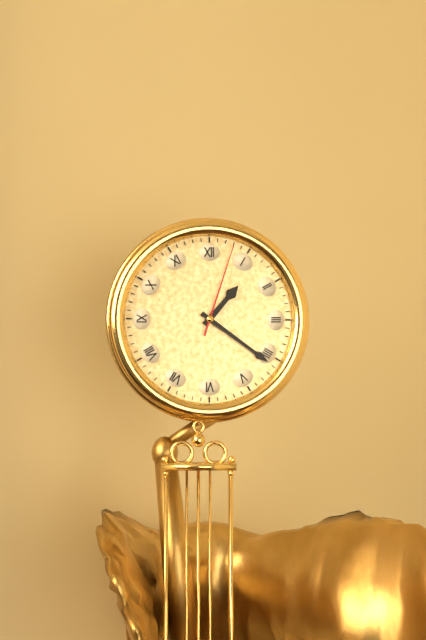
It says 1:21:03
